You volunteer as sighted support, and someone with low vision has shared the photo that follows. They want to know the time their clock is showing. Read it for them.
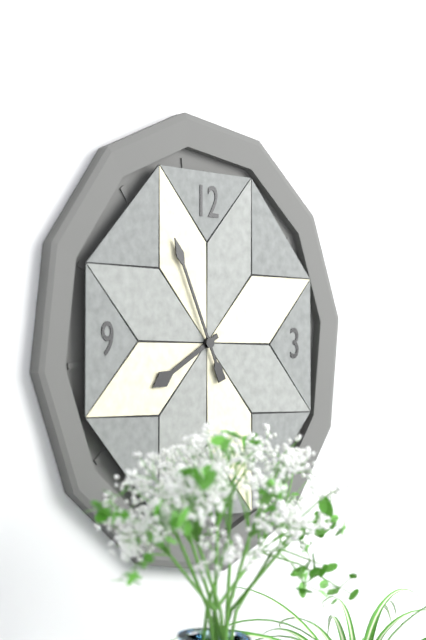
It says 7:56
